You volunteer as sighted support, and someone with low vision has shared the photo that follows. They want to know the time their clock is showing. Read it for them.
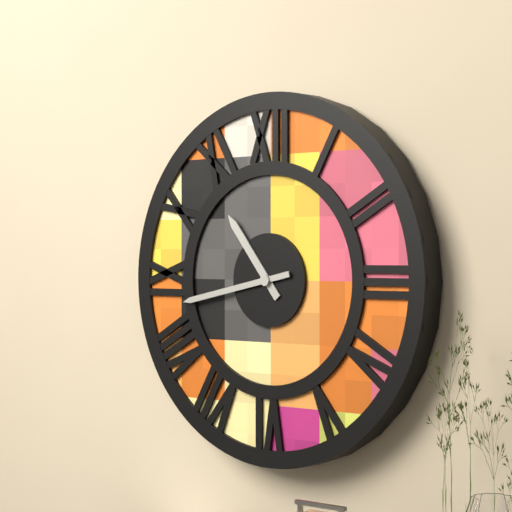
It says 10:43
